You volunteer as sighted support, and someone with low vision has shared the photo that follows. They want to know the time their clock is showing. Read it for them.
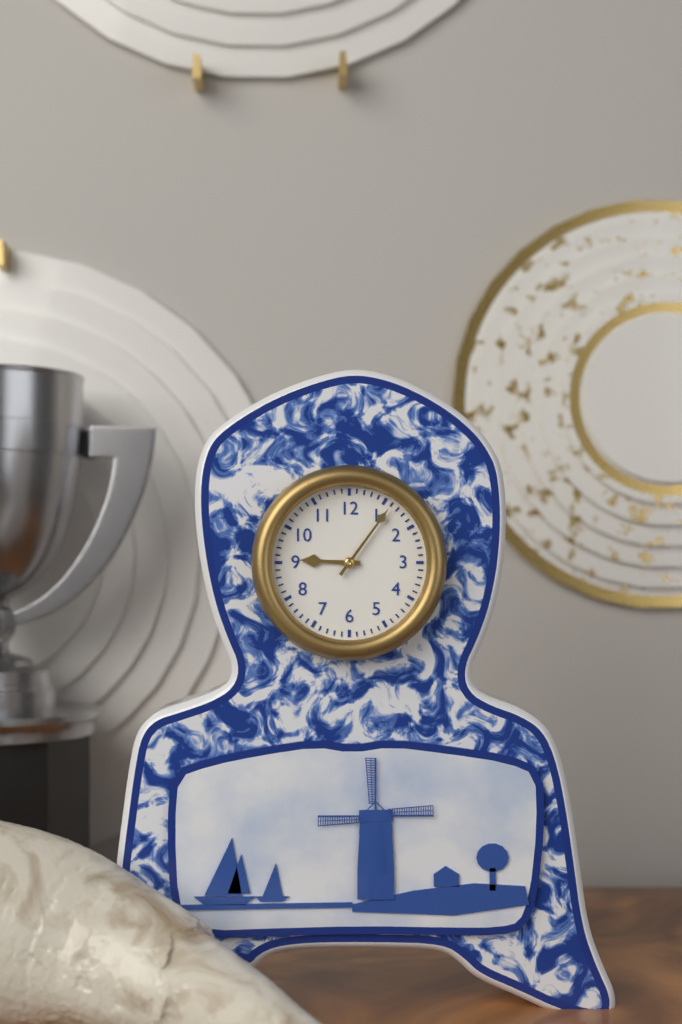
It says 9:06
